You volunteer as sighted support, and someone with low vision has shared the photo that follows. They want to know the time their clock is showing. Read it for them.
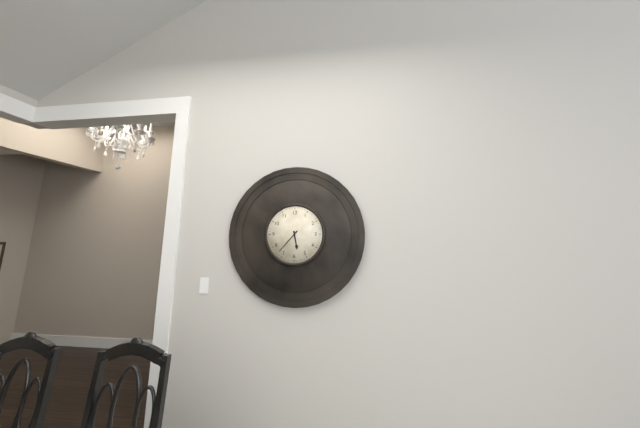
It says 5:37
